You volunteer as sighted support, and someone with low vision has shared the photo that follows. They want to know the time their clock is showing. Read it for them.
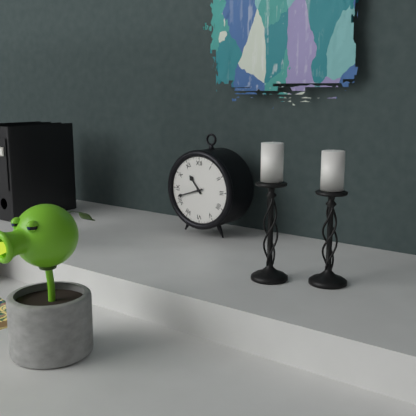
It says 10:42
